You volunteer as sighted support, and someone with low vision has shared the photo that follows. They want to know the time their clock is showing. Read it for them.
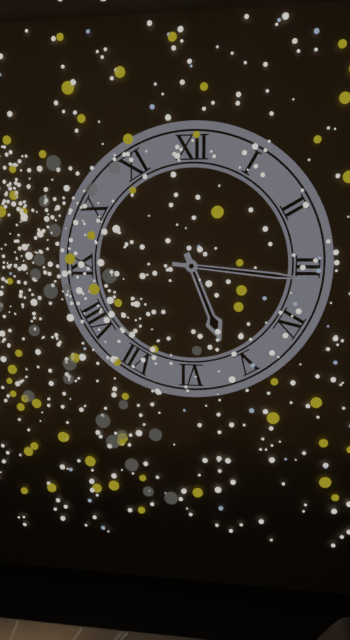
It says 5:16
